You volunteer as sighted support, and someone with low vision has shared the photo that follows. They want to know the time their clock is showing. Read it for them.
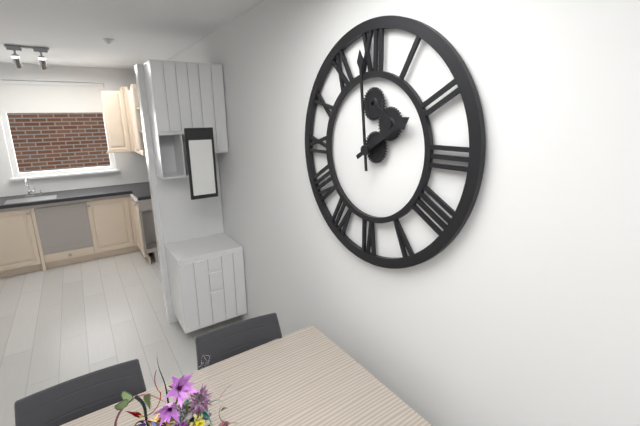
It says 1:59
